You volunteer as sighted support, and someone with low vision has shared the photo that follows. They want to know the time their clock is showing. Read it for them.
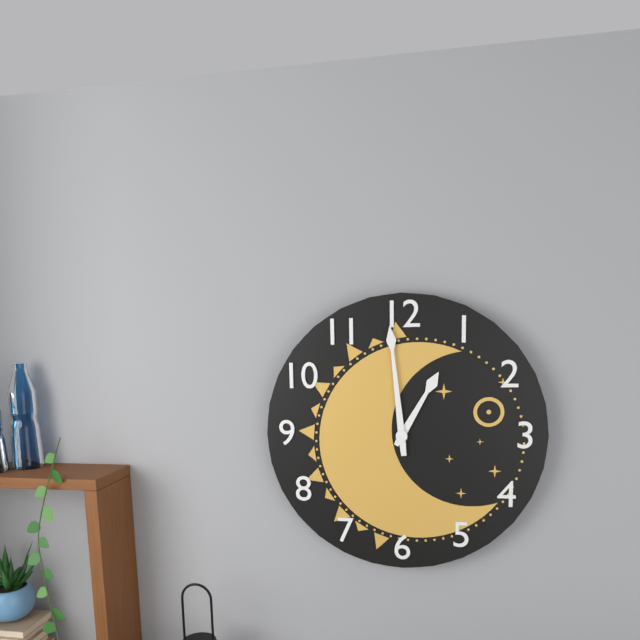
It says 12:59
